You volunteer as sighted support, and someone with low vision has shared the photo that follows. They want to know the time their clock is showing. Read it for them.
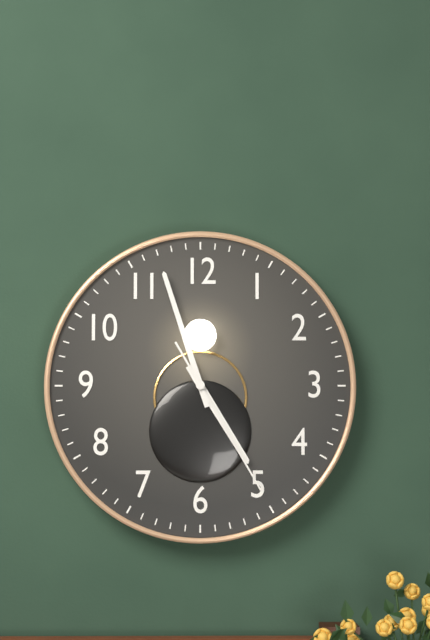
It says 4:57:25
